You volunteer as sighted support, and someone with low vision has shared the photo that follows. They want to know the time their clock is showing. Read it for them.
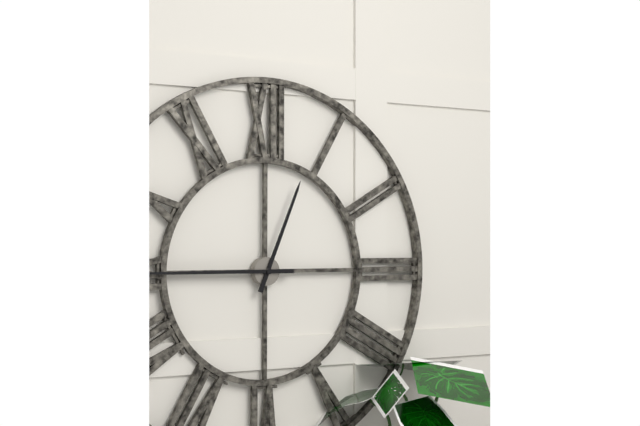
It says 12:45
